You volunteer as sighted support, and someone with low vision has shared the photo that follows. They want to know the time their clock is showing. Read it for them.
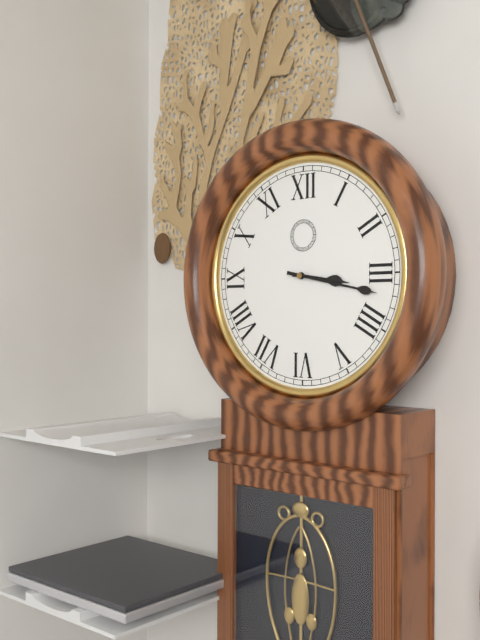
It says 3:17
